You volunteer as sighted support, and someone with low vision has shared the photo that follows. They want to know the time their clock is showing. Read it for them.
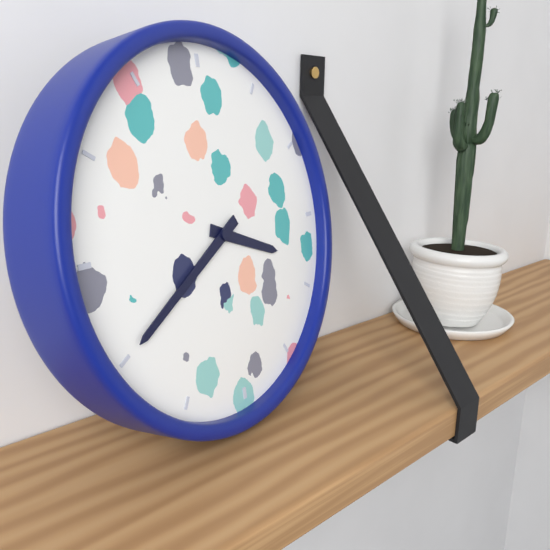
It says 3:40
